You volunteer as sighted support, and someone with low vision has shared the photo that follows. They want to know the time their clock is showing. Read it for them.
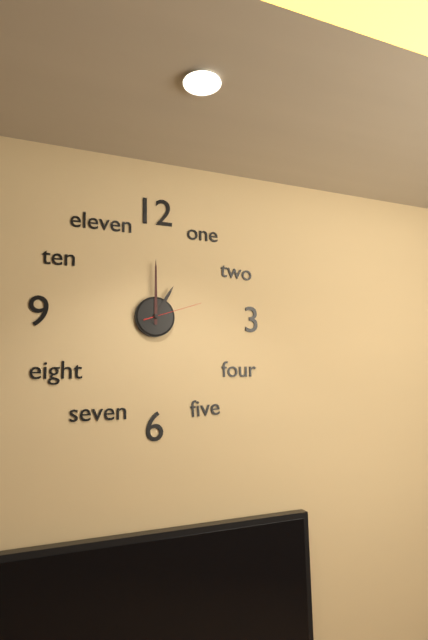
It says 1:00:12
